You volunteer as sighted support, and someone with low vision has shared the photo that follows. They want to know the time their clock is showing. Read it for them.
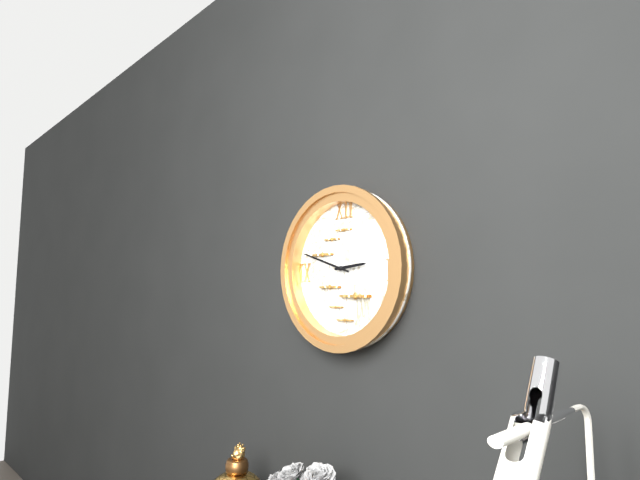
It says 2:48
